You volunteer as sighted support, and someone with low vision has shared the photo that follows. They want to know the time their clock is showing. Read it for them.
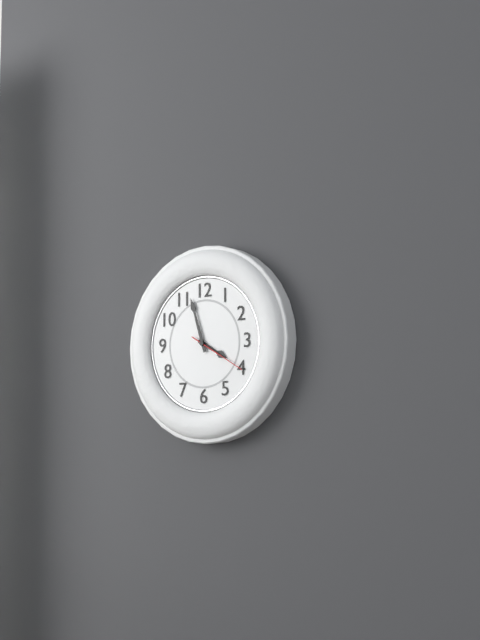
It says 3:57:20
